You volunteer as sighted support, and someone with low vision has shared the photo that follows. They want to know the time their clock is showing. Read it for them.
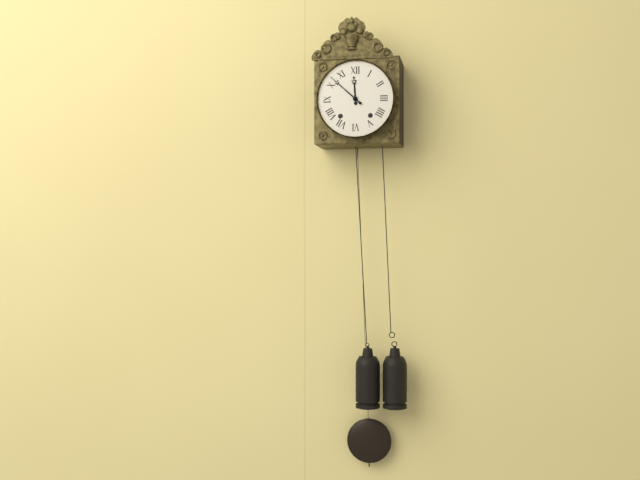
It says 11:52
